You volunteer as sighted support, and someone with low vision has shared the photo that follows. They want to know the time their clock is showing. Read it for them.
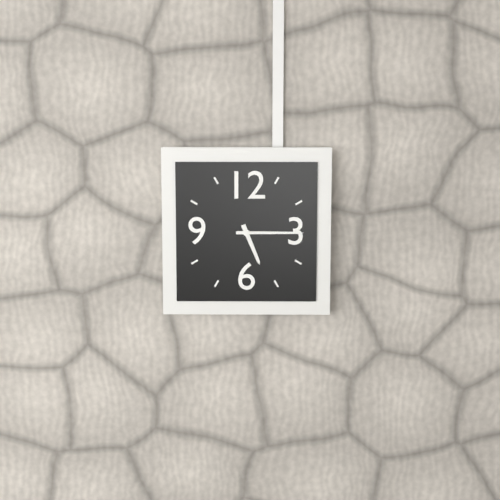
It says 5:15
